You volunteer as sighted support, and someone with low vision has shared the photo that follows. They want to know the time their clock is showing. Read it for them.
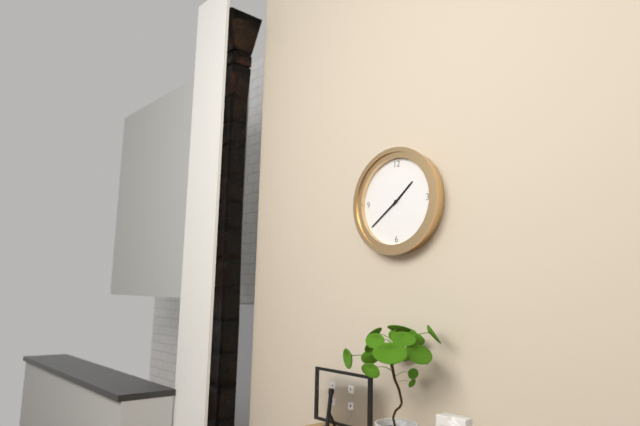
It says 1:39
